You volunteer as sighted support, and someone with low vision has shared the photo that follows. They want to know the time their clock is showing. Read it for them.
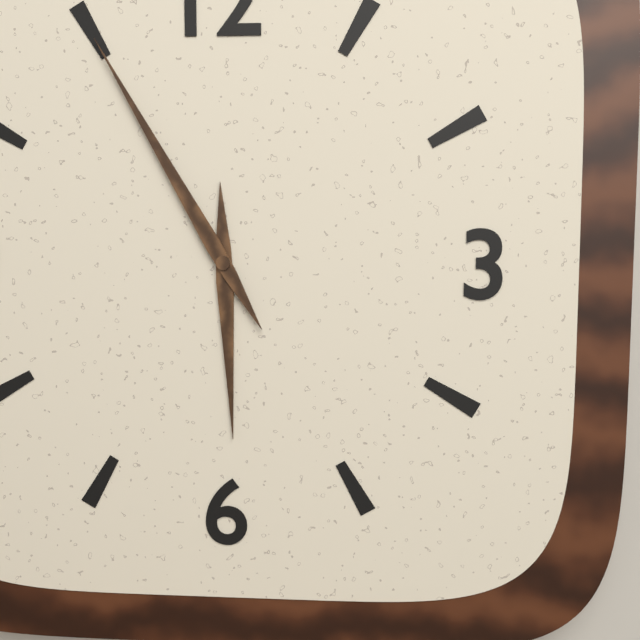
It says 5:55
